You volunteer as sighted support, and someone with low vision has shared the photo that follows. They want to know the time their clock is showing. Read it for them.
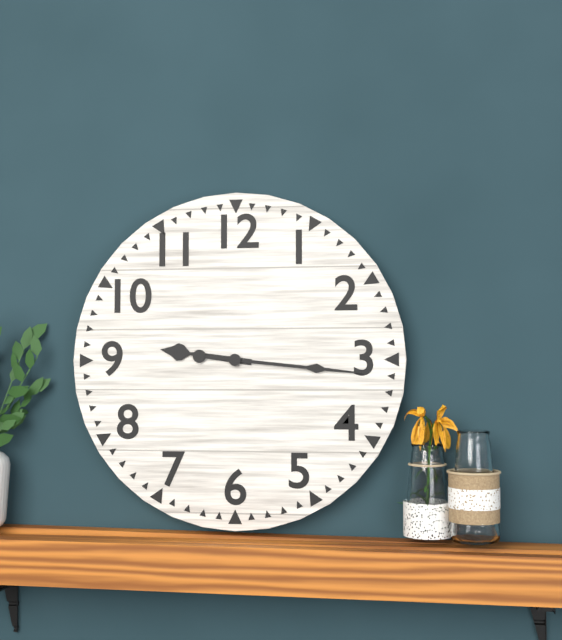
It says 9:16
